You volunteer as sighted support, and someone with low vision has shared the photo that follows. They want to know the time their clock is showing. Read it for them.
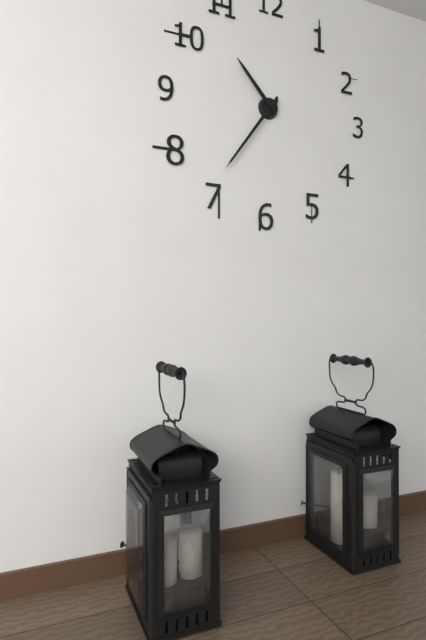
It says 10:36
